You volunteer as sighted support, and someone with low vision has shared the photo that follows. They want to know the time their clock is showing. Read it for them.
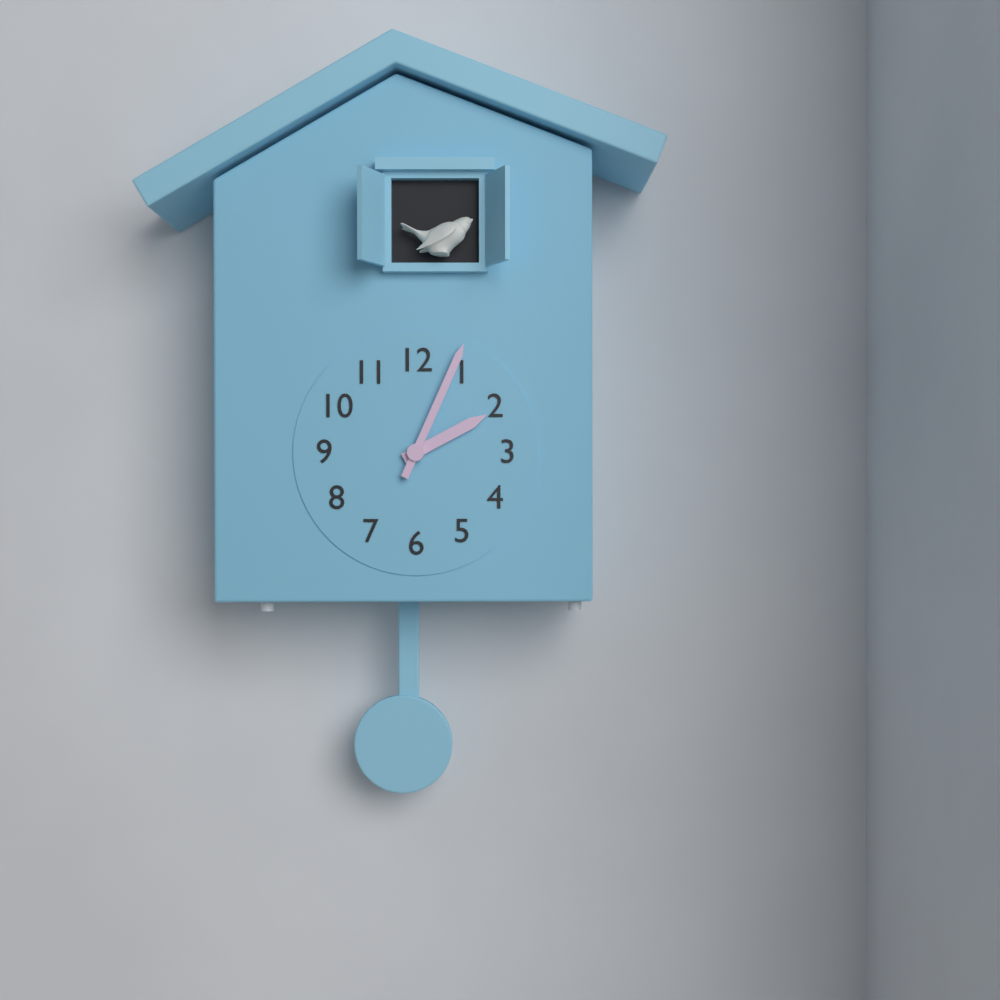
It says 2:04
